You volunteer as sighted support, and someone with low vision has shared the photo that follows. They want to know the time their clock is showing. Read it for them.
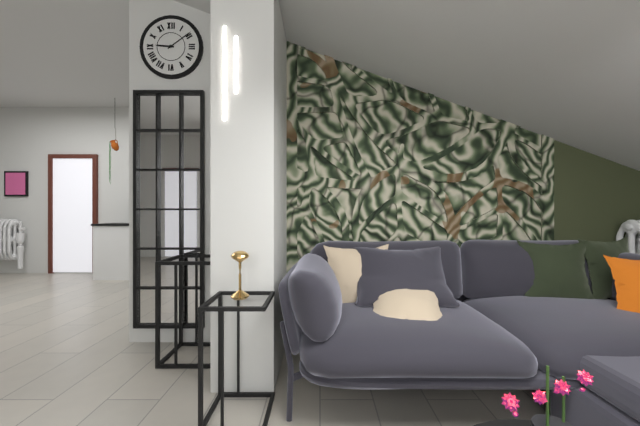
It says 9:09
